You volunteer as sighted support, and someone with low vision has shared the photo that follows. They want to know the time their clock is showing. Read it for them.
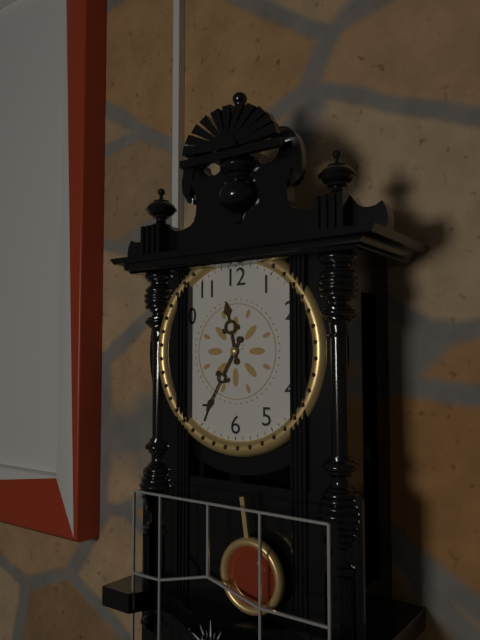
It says 11:35
